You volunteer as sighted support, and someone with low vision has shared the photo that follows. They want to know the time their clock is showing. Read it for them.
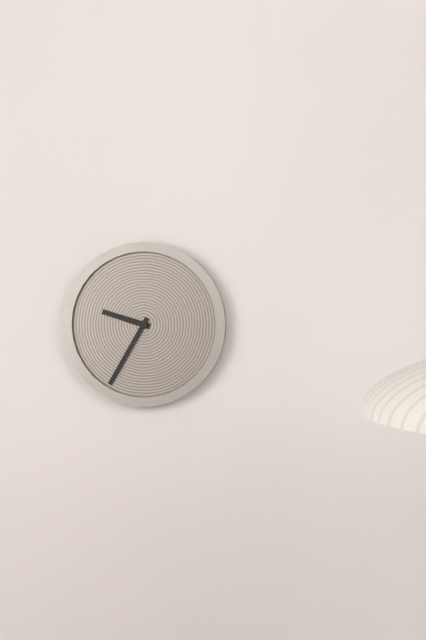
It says 9:35
